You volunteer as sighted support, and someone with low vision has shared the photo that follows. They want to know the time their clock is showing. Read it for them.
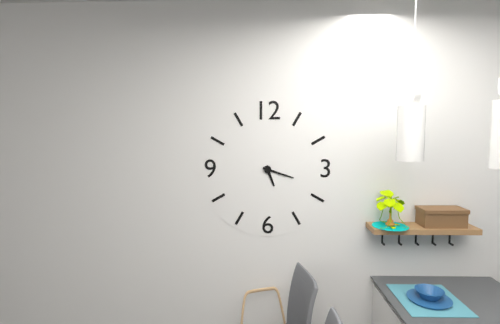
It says 5:18
